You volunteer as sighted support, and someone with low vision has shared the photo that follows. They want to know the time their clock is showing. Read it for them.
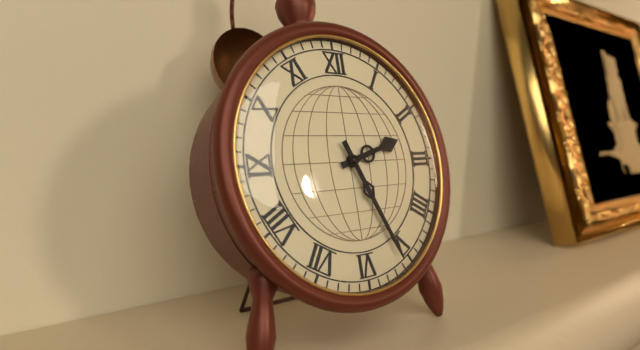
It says 2:26
